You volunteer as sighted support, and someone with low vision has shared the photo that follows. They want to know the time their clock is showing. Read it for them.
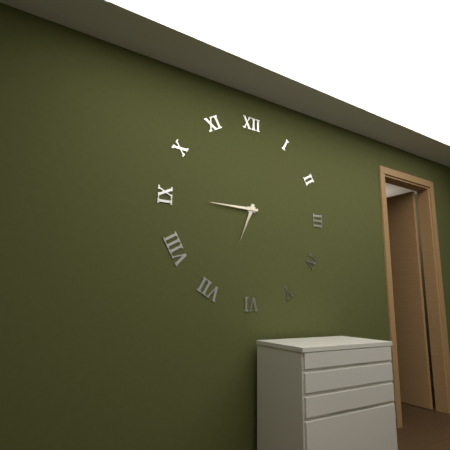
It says 6:45
